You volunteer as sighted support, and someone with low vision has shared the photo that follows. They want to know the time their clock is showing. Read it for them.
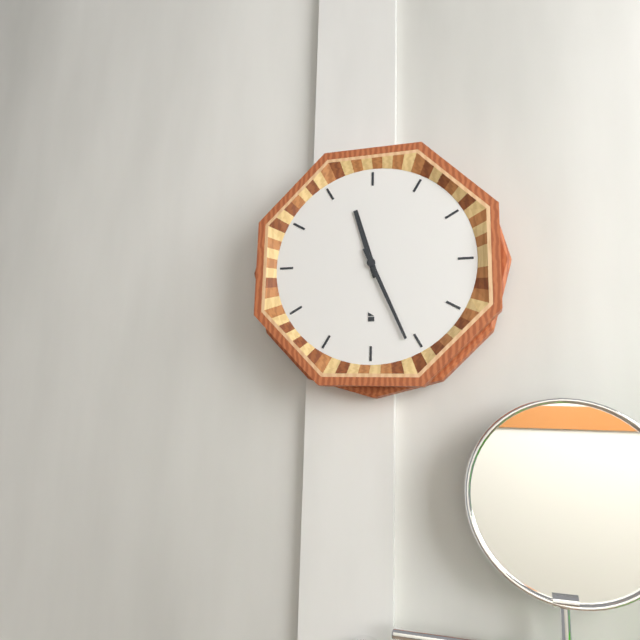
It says 11:26
